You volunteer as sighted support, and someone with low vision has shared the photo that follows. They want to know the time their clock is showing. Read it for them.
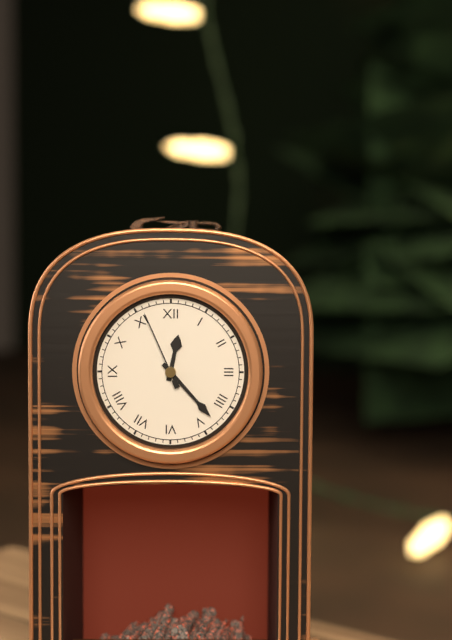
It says 12:23:56
